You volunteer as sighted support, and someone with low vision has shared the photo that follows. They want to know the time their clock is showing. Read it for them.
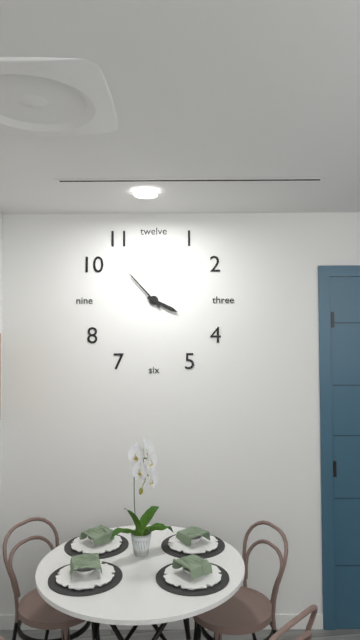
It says 3:53
